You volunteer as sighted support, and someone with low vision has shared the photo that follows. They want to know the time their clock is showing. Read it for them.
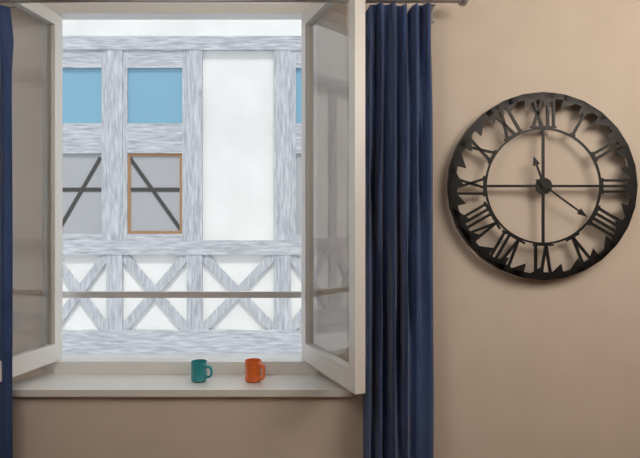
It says 11:21
